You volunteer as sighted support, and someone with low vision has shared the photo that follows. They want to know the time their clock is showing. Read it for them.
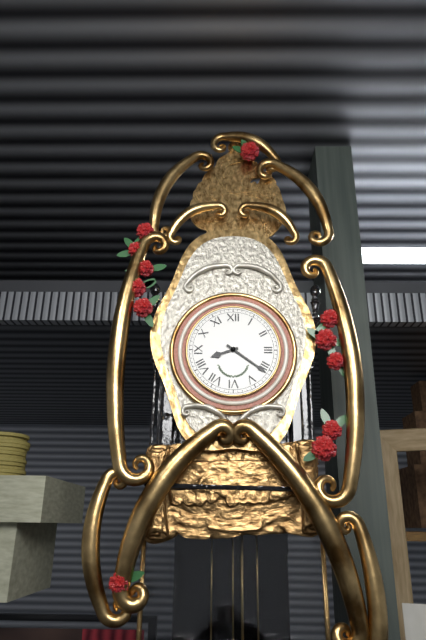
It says 8:21
